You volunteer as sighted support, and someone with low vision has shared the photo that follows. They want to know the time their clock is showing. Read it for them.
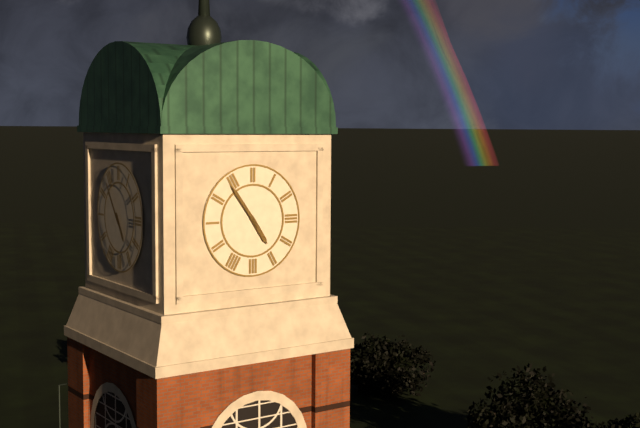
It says 4:54
